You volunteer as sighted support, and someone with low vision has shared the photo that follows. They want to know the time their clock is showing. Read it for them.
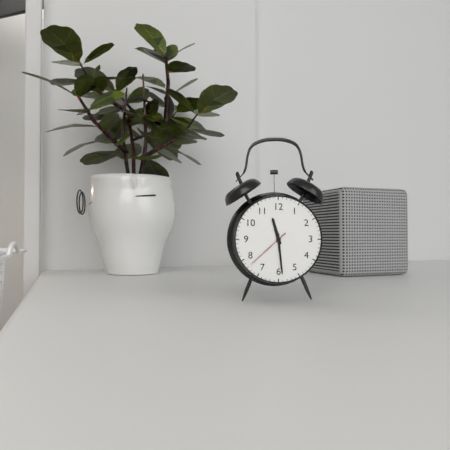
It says 11:29
